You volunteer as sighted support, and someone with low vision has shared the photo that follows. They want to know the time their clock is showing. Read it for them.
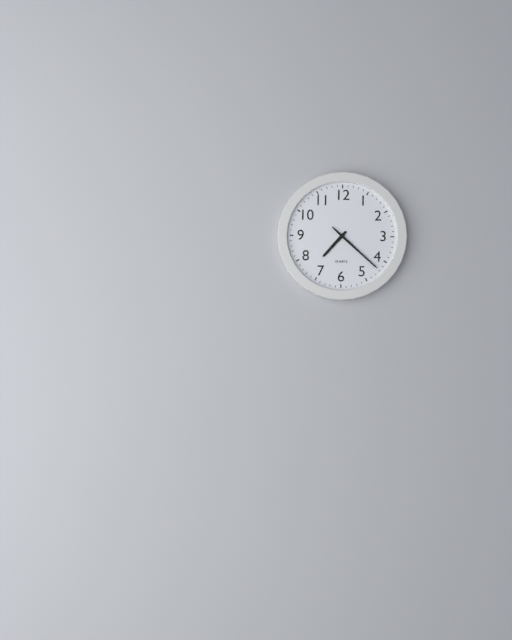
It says 7:22
